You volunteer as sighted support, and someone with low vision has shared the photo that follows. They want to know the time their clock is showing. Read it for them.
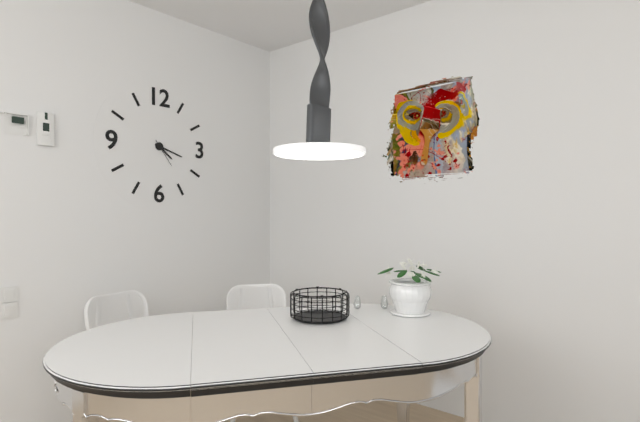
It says 4:18
